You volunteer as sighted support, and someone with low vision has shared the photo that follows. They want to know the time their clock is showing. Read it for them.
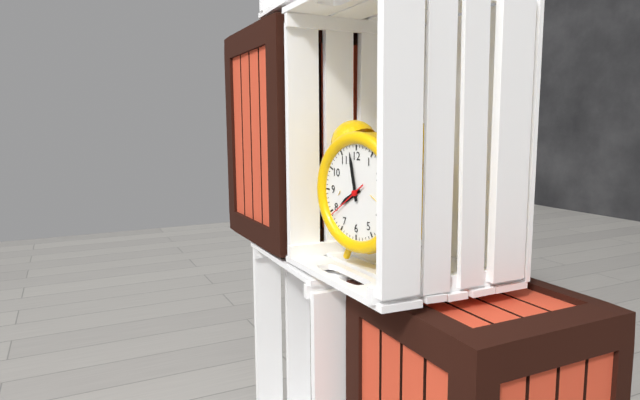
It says 7:58
